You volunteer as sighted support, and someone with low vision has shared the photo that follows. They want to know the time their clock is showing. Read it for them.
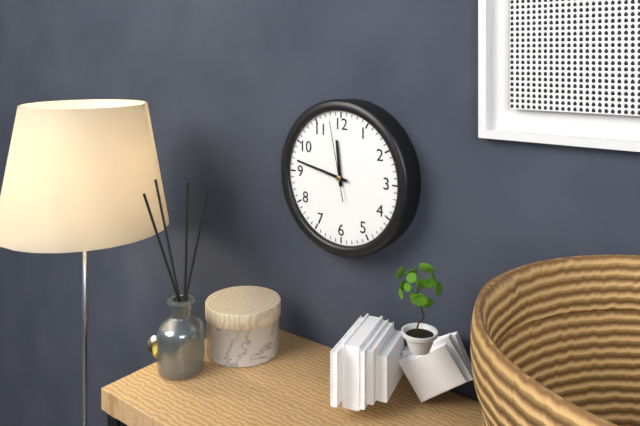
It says 11:47:58
